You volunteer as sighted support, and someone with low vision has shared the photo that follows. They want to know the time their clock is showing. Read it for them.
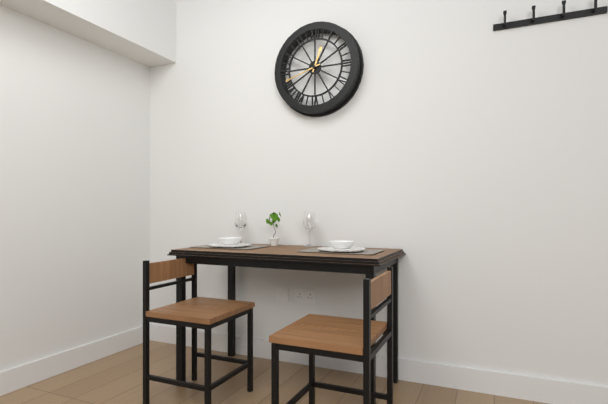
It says 12:42
